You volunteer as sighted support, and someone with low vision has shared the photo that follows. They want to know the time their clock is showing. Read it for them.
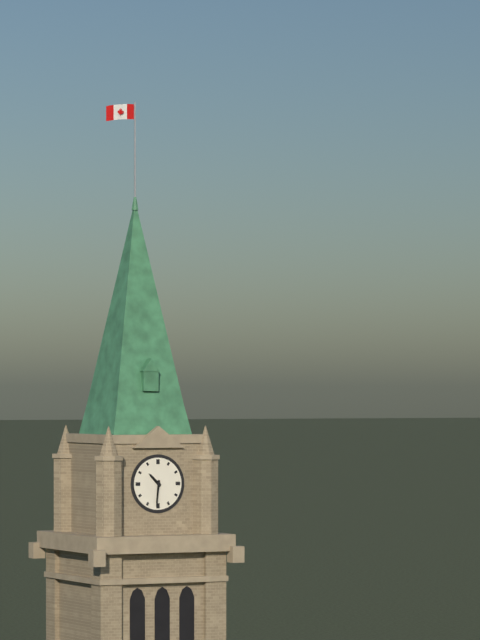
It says 10:31
